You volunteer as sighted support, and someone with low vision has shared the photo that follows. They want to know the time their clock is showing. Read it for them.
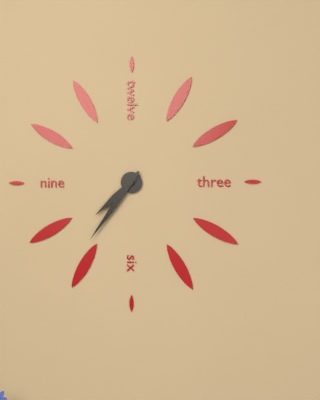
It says 7:36
